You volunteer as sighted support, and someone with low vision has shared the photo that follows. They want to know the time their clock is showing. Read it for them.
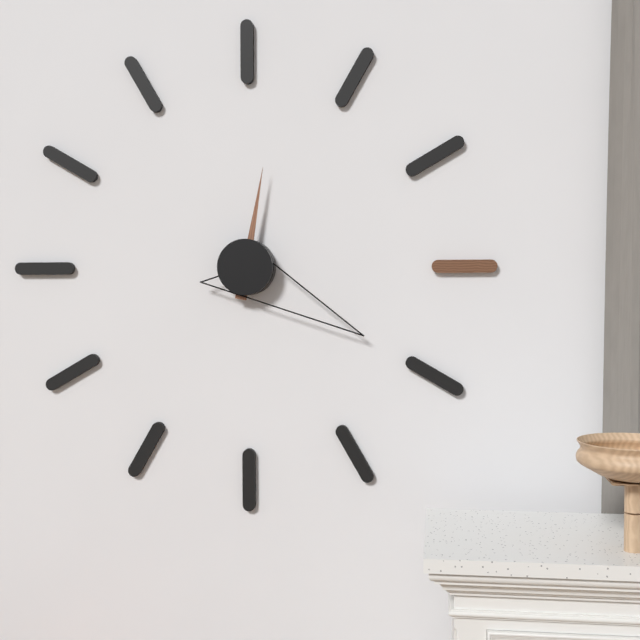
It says 12:20
